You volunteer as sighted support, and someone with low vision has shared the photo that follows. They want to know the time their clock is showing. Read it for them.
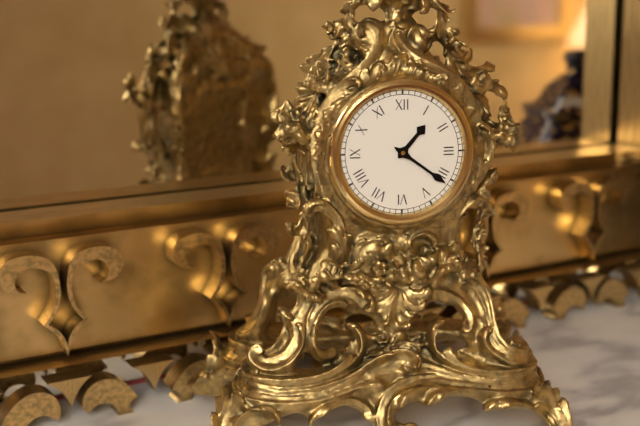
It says 1:21
